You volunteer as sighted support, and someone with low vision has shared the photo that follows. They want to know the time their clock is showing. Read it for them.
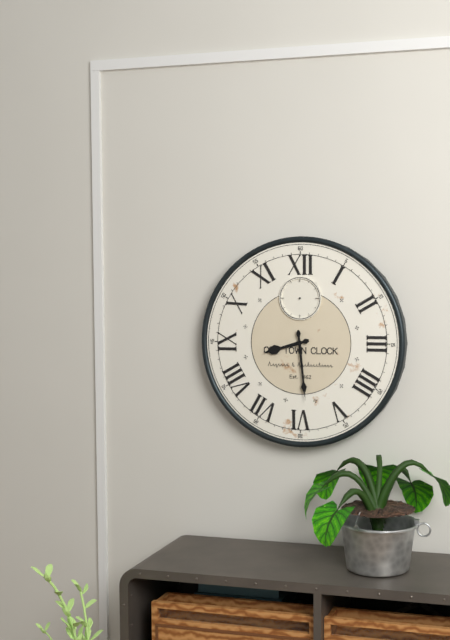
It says 8:29
